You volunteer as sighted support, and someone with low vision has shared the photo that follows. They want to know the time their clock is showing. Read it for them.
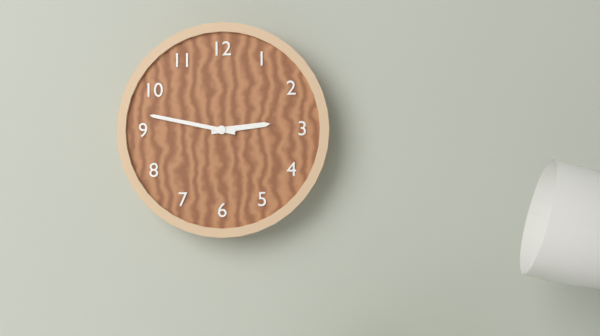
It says 2:47
